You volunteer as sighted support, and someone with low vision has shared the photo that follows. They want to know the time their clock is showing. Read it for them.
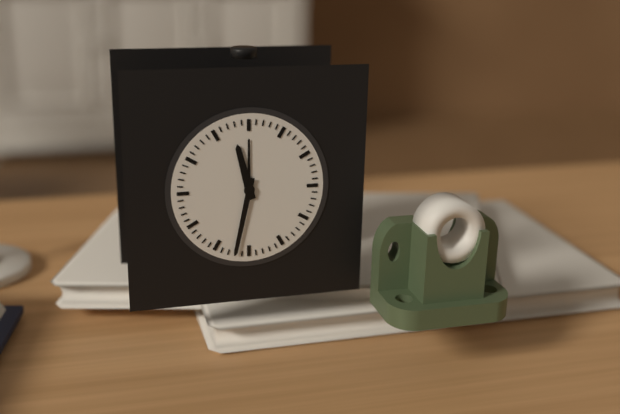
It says 11:32
